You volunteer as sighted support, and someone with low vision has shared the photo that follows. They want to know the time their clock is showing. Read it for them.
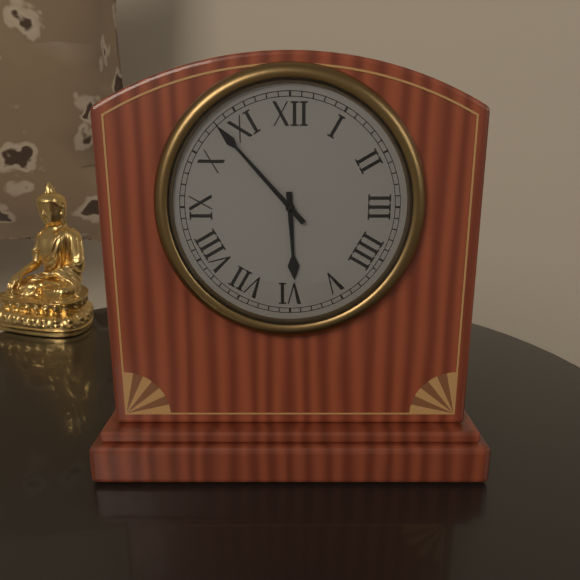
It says 5:53
